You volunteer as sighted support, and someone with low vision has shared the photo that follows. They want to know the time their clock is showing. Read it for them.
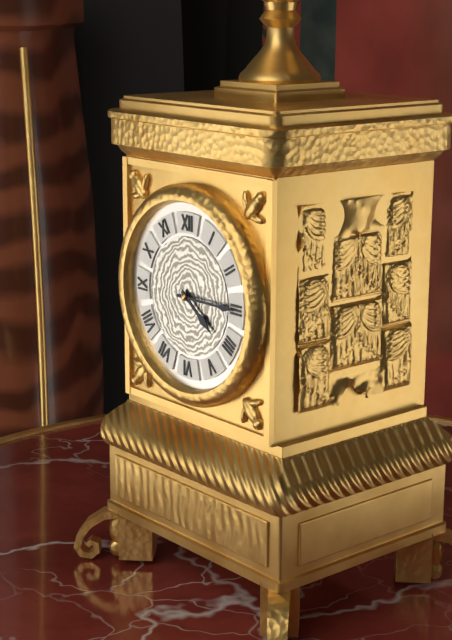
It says 4:15
